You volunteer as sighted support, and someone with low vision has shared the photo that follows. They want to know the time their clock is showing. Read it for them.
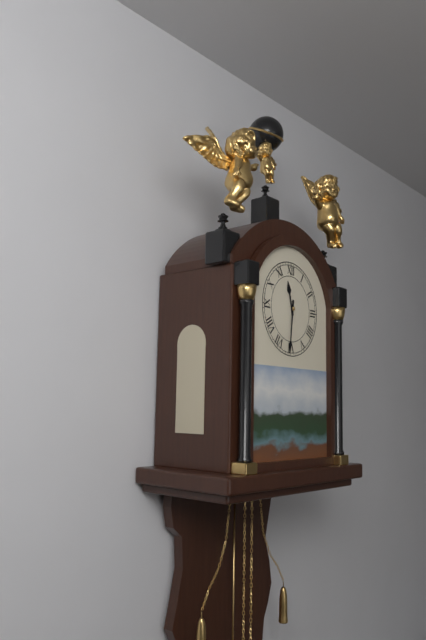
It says 11:31
